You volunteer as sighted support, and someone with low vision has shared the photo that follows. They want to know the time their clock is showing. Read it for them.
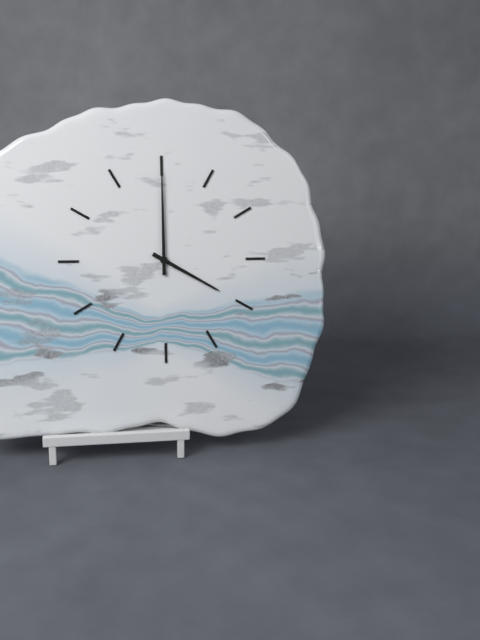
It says 4:00
